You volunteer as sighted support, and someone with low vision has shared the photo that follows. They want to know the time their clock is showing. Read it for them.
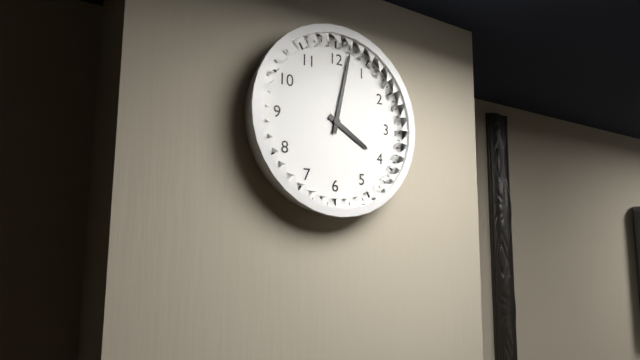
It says 4:02
